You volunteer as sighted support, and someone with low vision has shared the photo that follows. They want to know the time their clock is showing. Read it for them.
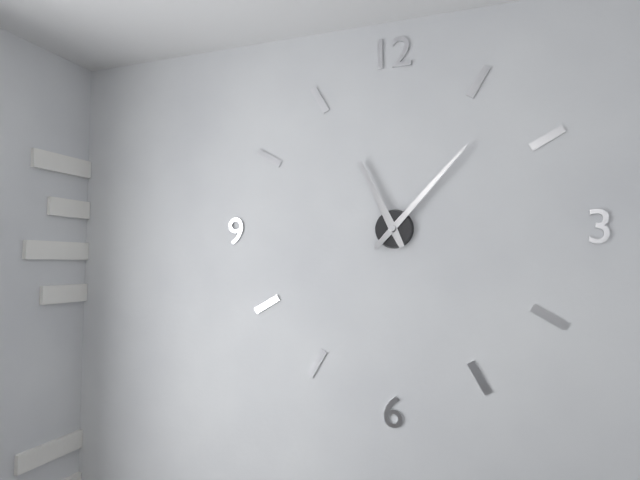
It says 11:07
